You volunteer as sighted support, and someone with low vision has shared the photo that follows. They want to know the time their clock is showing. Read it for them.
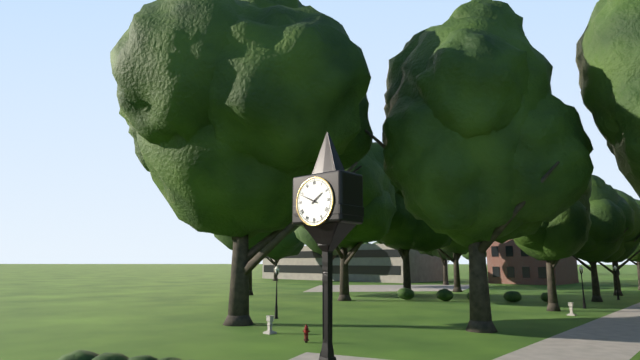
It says 1:49
